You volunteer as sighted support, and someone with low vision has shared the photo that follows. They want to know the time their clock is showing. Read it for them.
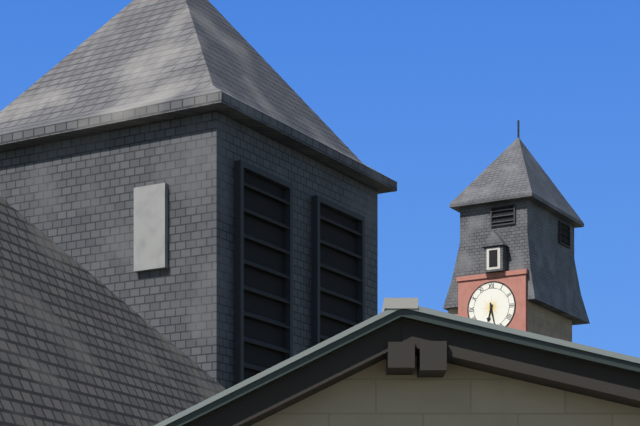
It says 6:28
